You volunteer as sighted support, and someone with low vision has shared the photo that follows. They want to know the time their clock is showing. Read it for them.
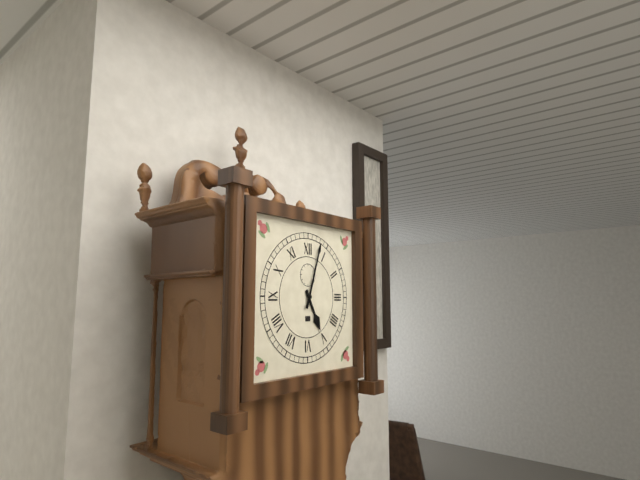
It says 5:03
